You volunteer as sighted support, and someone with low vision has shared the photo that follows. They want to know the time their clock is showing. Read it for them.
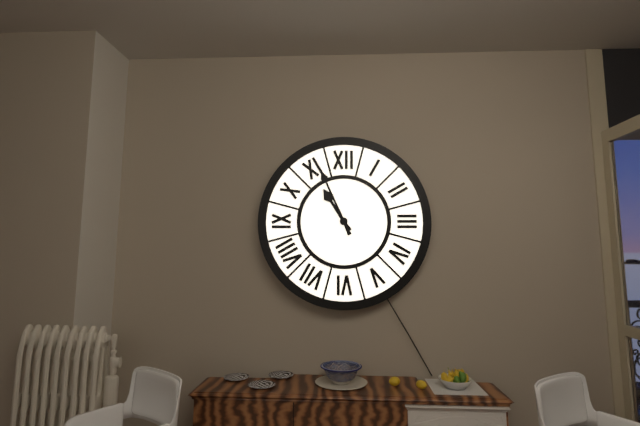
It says 10:56
